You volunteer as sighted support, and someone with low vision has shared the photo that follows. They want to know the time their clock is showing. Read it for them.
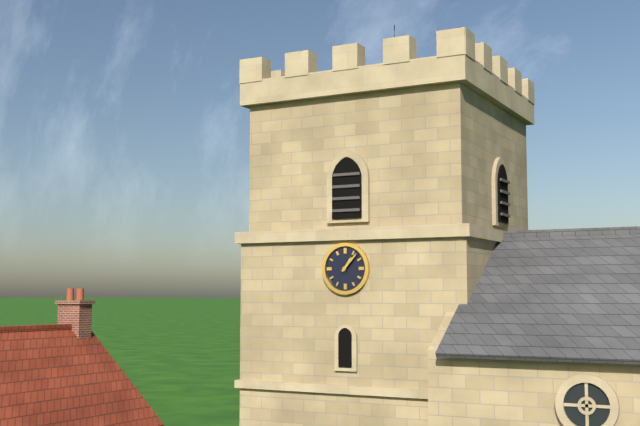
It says 1:07
